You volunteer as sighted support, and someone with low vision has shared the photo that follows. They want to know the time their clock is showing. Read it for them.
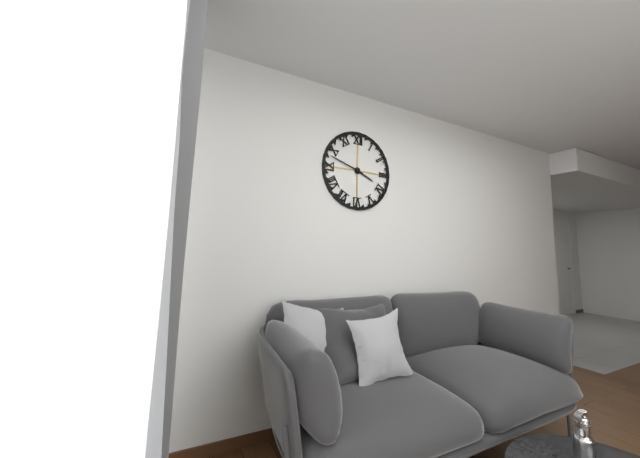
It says 3:48
